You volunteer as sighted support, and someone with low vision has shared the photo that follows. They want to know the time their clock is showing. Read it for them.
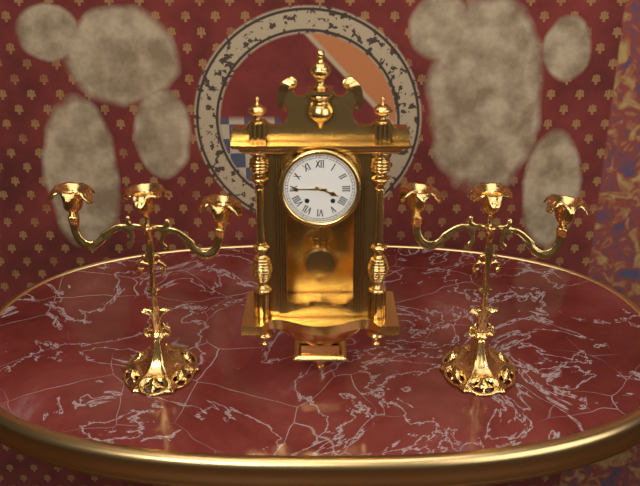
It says 3:45
